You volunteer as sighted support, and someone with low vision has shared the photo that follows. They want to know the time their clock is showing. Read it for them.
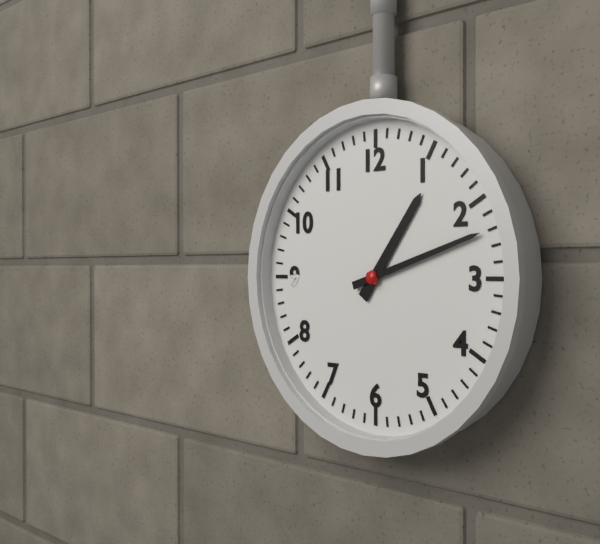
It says 1:12
